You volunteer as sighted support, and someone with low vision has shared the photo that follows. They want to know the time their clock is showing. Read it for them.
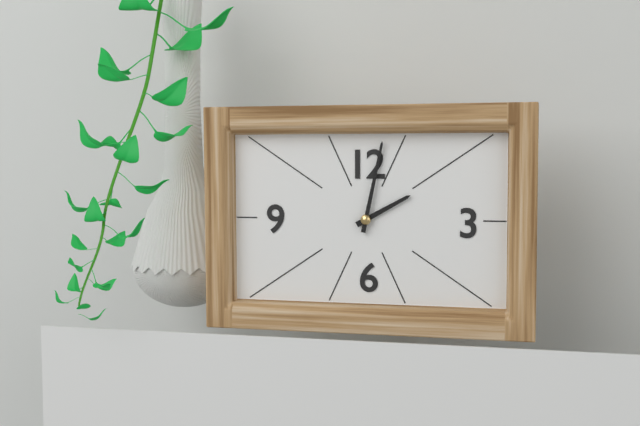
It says 2:02
